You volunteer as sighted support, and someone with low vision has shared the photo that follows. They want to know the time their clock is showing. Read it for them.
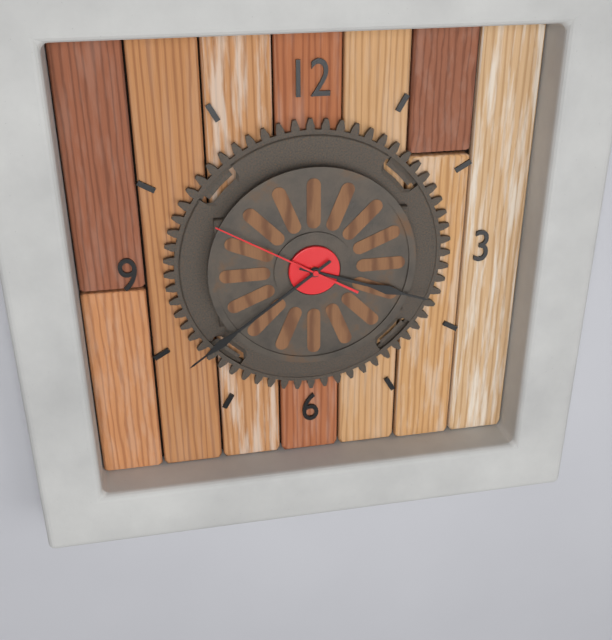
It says 3:39:50
